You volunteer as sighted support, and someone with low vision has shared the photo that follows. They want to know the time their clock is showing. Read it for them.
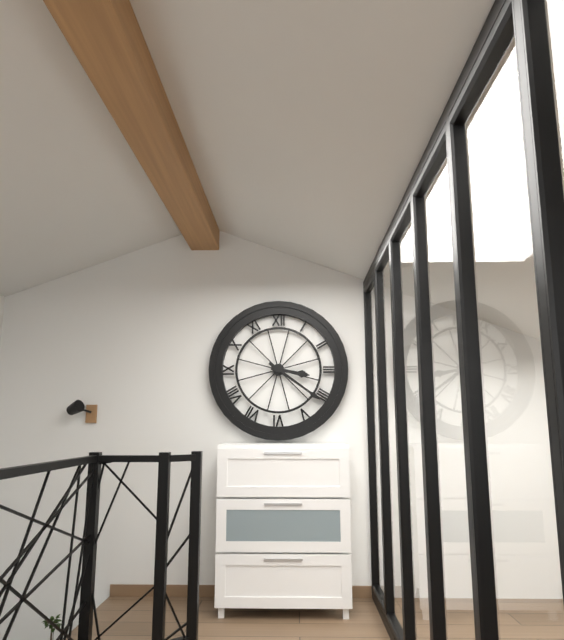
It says 3:21
